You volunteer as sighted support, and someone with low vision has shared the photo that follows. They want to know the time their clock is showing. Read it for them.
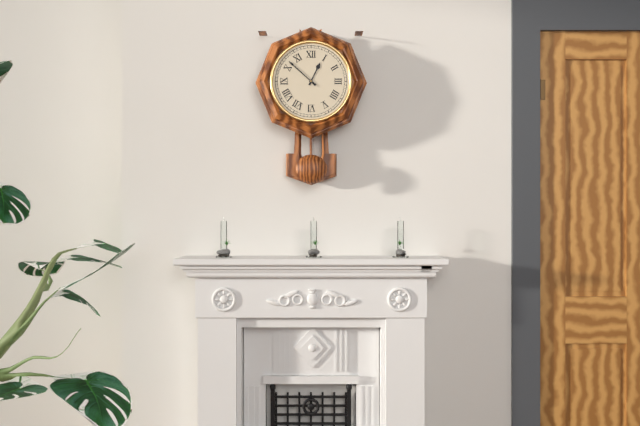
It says 12:52
